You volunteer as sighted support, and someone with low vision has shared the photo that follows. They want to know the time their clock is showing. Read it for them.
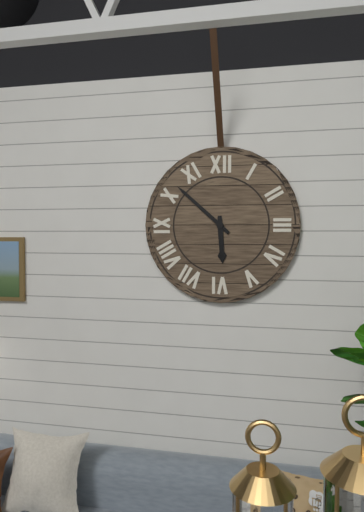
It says 5:52
